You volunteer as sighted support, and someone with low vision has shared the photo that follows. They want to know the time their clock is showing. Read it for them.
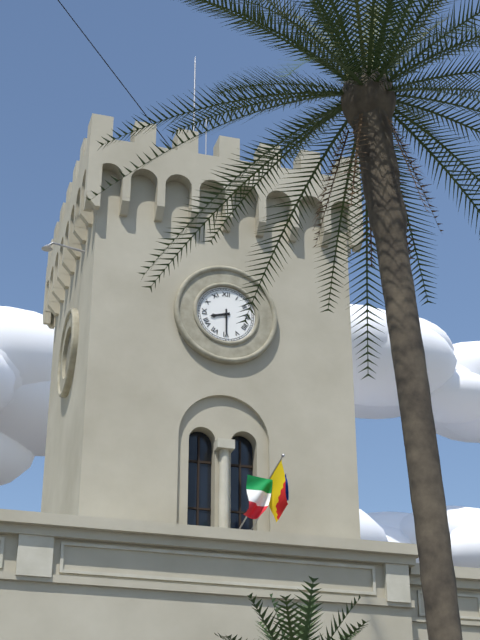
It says 8:30
